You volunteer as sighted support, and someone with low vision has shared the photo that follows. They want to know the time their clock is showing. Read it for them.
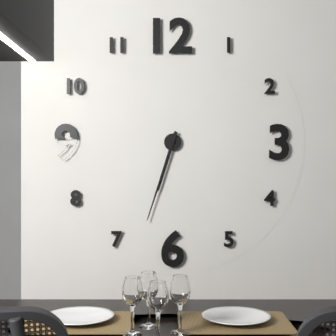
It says 6:33
